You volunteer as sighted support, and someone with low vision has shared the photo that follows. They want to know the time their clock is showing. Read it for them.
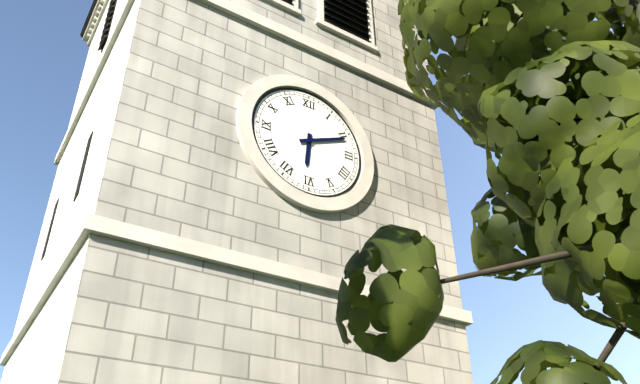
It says 6:11
